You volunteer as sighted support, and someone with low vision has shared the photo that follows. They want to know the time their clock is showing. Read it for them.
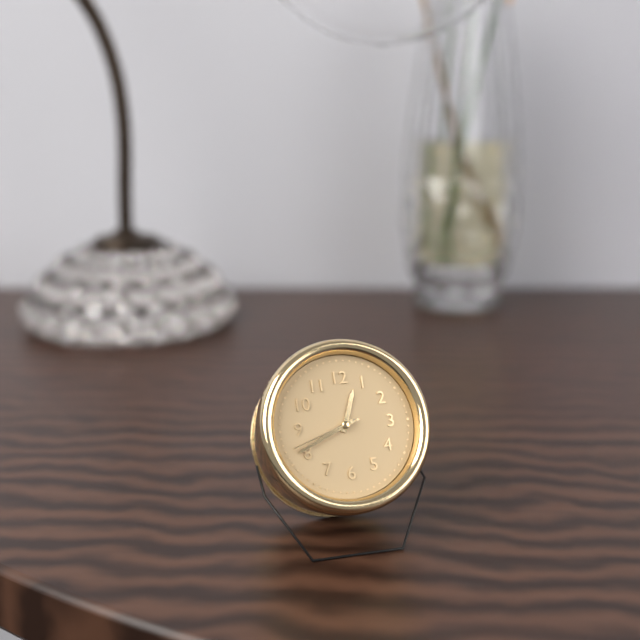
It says 12:41:42
